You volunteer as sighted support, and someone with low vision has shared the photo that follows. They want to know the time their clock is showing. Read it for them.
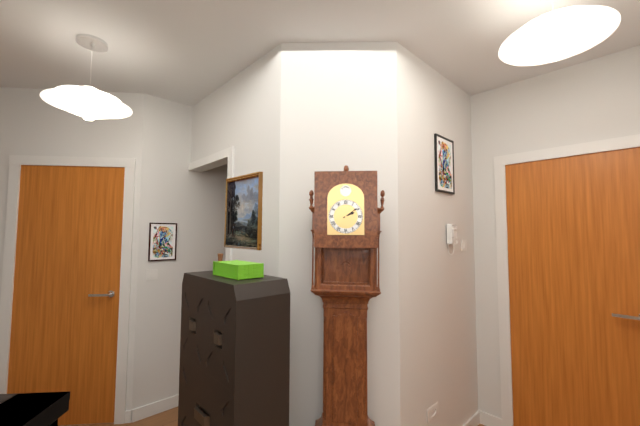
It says 2:09
